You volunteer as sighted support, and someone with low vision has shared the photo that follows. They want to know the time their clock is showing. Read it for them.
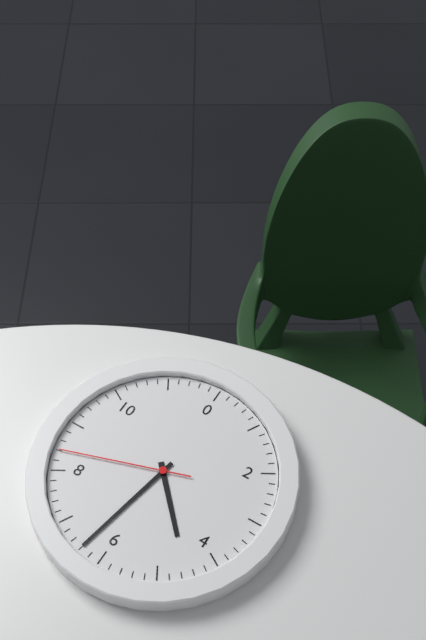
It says 4:32:42
